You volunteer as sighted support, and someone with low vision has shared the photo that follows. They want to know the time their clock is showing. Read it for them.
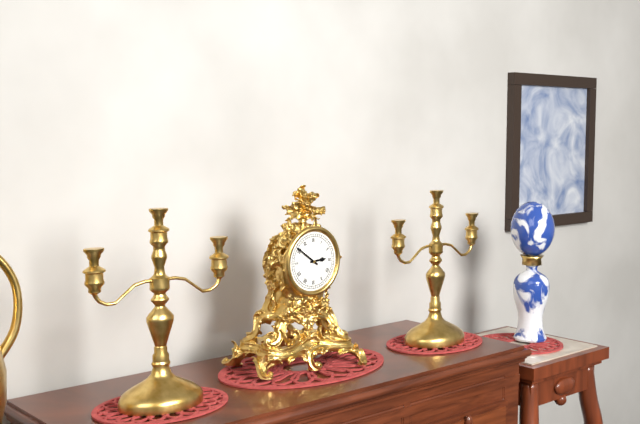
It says 2:51
